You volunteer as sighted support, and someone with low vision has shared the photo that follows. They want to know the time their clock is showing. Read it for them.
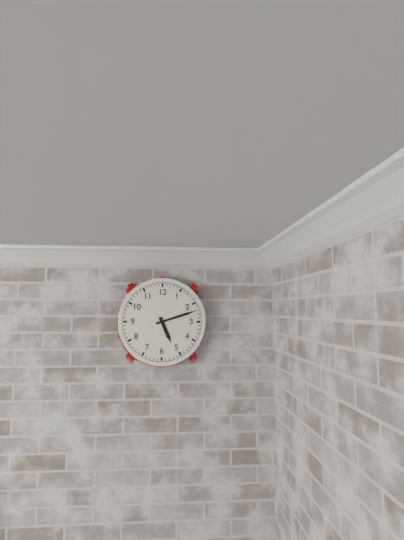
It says 5:12
